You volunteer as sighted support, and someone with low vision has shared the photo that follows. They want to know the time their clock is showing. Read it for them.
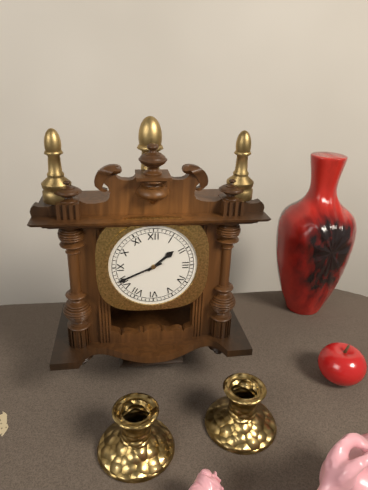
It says 1:41
